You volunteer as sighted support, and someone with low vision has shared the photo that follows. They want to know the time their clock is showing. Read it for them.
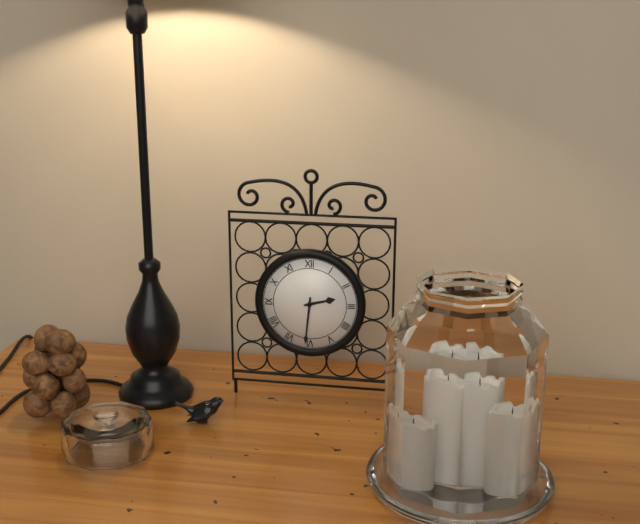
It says 2:31
